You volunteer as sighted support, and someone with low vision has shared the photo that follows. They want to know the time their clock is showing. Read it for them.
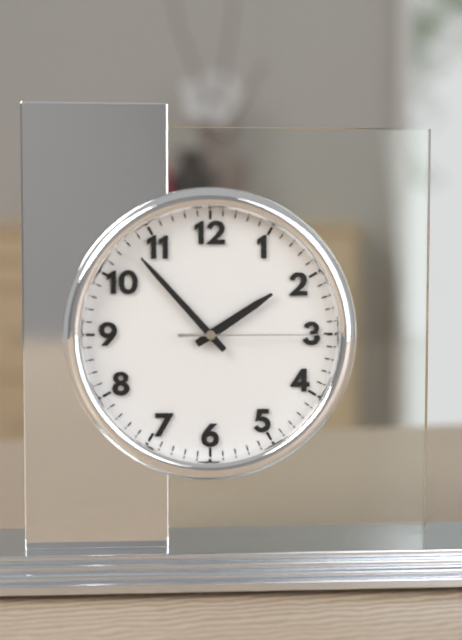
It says 1:53:15
